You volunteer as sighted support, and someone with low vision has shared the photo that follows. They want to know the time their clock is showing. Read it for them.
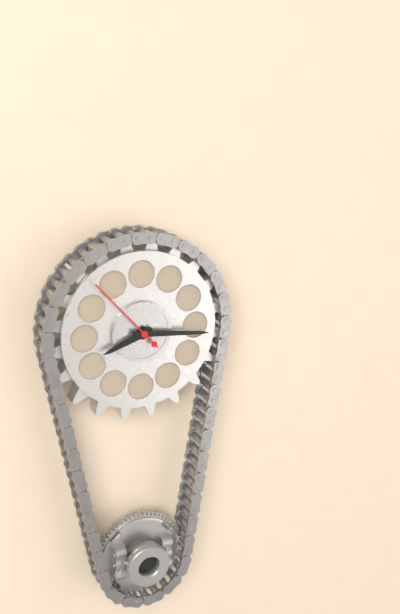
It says 8:16:53
